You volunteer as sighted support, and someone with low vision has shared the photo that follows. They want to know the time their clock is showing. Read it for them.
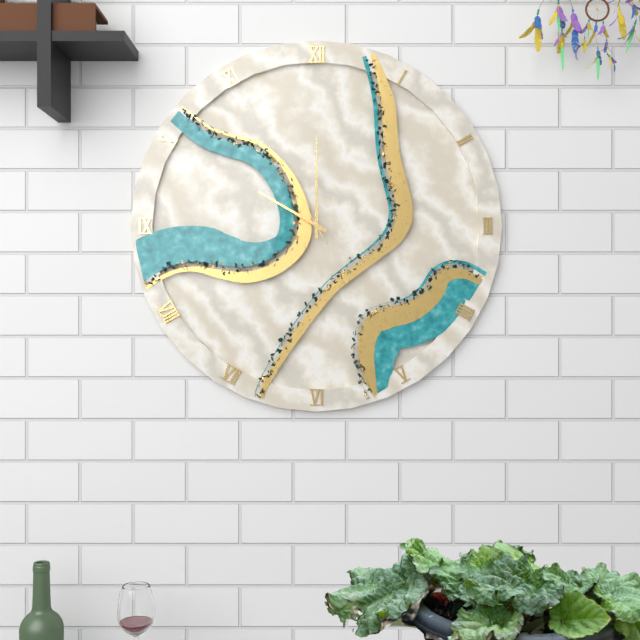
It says 10:00:55
